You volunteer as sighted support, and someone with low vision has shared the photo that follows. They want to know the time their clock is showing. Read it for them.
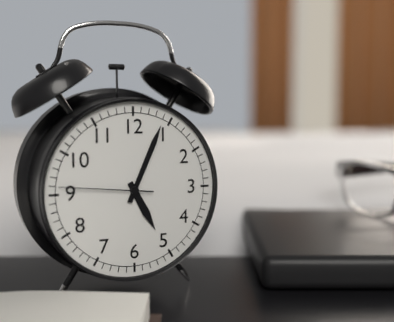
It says 5:04:46
